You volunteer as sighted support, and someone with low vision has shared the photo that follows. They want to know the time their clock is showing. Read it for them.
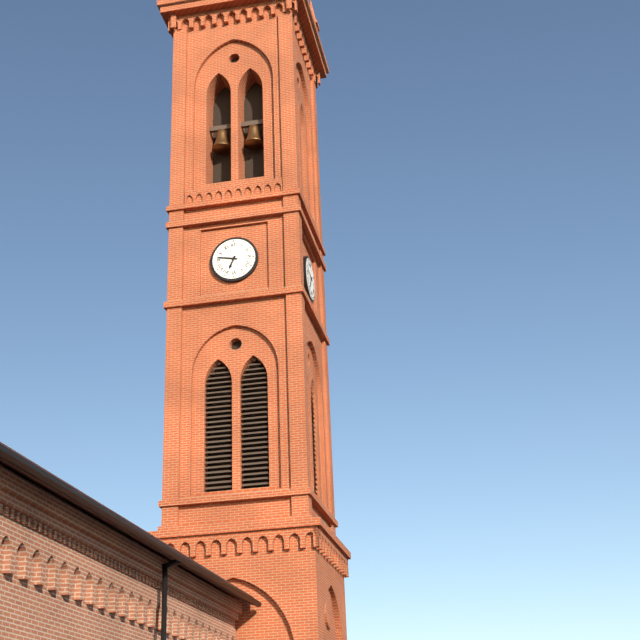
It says 6:47
